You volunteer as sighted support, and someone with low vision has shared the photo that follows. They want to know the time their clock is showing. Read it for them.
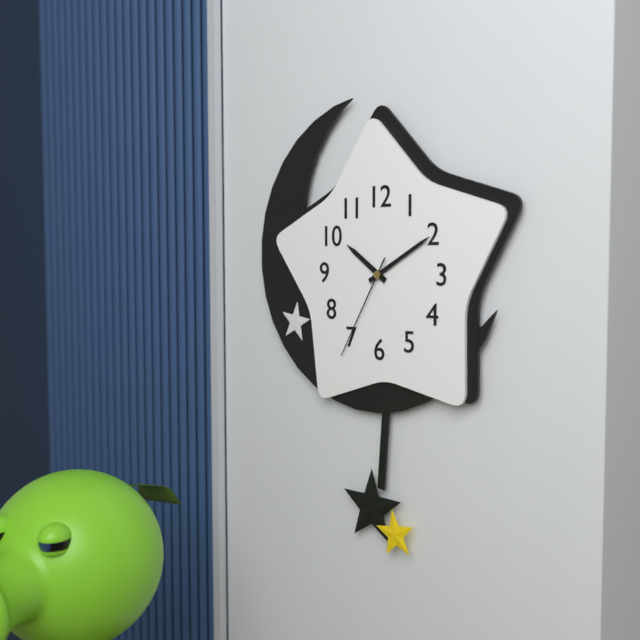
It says 10:10:35
